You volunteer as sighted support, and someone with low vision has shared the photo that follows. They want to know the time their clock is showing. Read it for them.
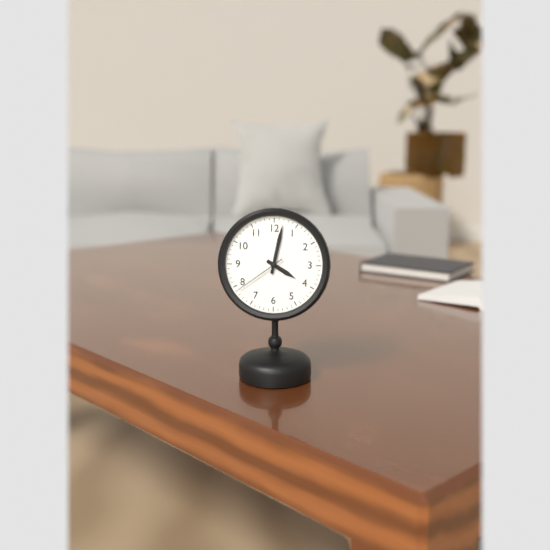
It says 4:02:39
